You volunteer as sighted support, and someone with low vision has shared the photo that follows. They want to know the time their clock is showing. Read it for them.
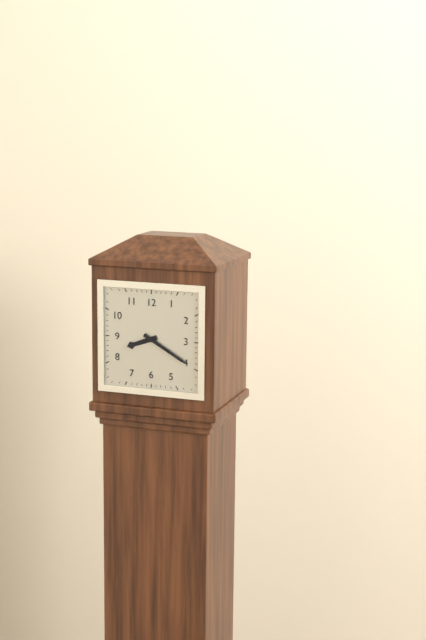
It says 8:20
